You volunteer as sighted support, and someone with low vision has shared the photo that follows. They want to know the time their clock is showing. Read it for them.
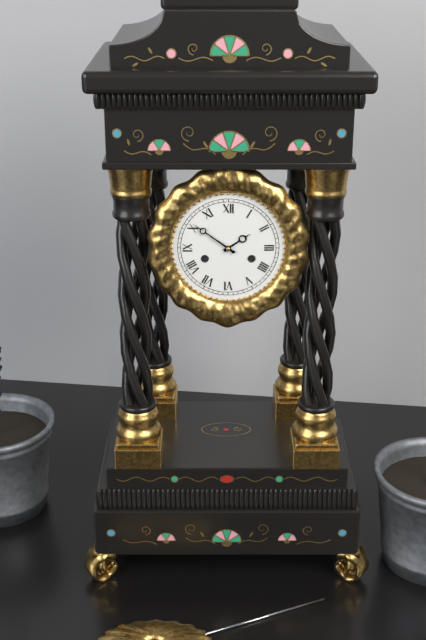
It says 1:51
